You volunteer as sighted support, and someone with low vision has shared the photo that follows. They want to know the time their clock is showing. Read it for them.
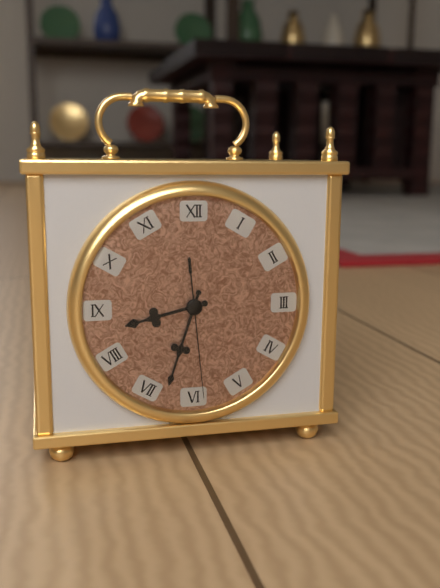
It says 8:33:29
